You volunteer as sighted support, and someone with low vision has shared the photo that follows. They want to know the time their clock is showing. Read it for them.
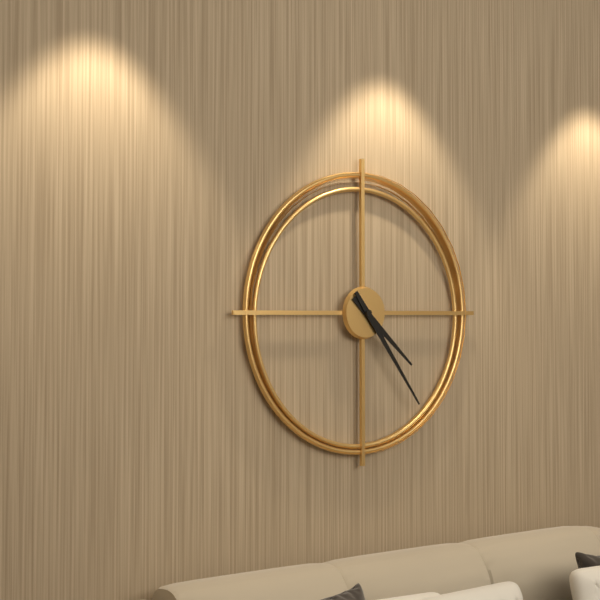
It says 4:24
